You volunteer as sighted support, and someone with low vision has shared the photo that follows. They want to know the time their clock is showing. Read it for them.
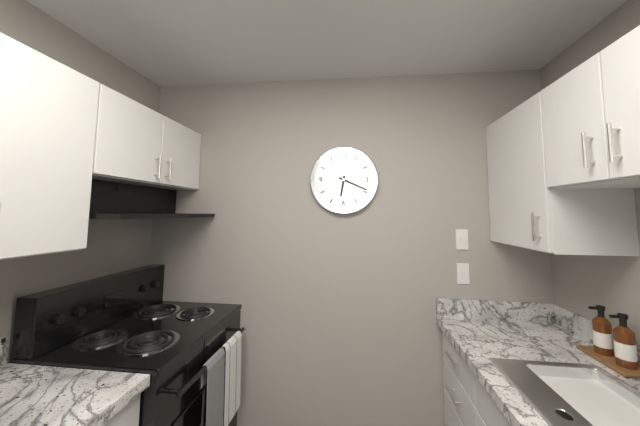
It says 6:19
